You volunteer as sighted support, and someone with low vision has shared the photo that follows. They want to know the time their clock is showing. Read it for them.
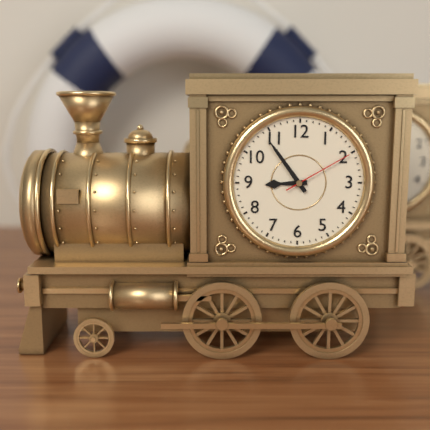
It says 8:54:10
